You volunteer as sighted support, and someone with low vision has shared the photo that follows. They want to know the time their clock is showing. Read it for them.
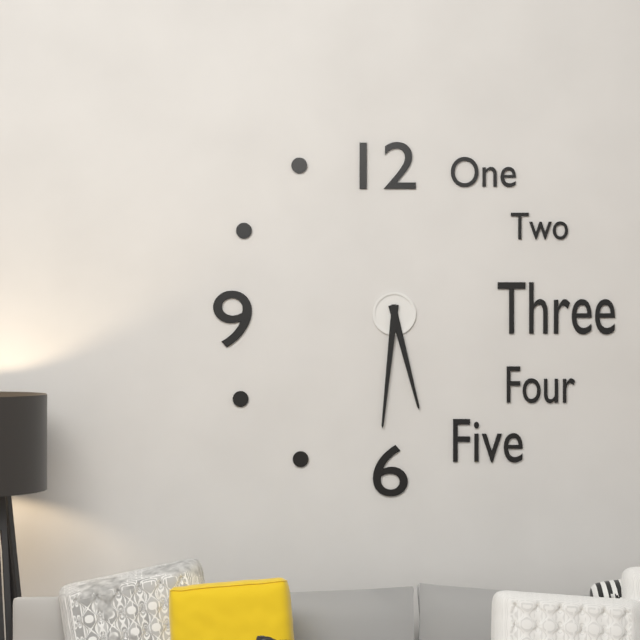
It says 5:31
